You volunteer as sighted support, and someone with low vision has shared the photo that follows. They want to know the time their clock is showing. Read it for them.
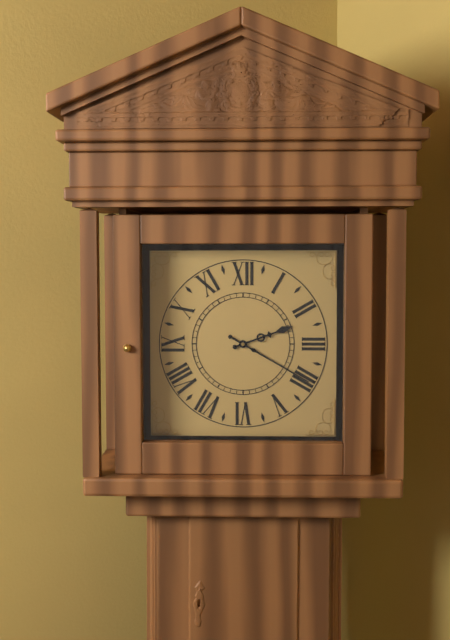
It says 2:20
